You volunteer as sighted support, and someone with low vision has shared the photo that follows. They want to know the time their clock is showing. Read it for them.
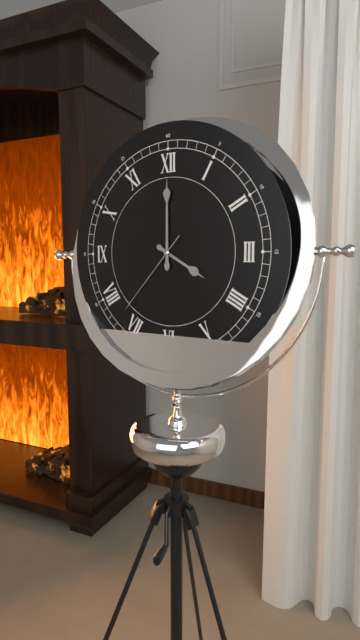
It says 4:00:37
